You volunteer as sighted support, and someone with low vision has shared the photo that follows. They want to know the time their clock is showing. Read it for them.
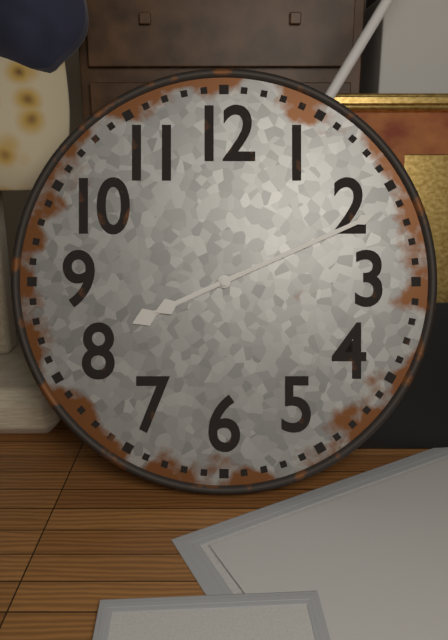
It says 8:11
